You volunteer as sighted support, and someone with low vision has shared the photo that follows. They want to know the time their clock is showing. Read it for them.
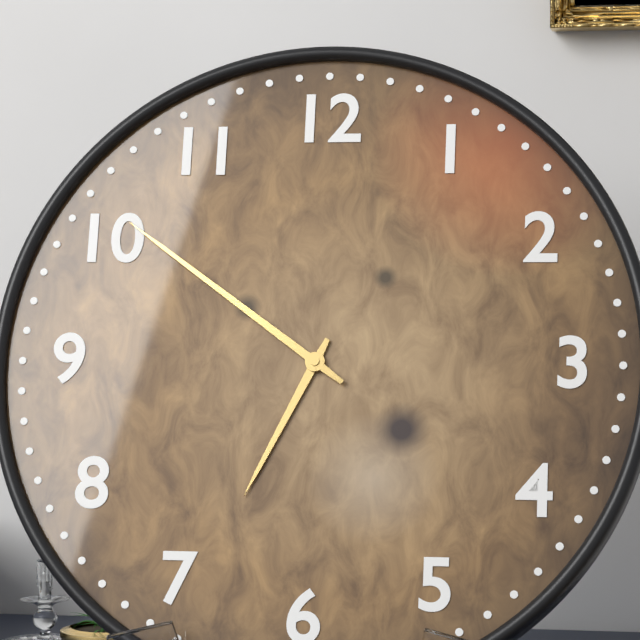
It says 6:51
